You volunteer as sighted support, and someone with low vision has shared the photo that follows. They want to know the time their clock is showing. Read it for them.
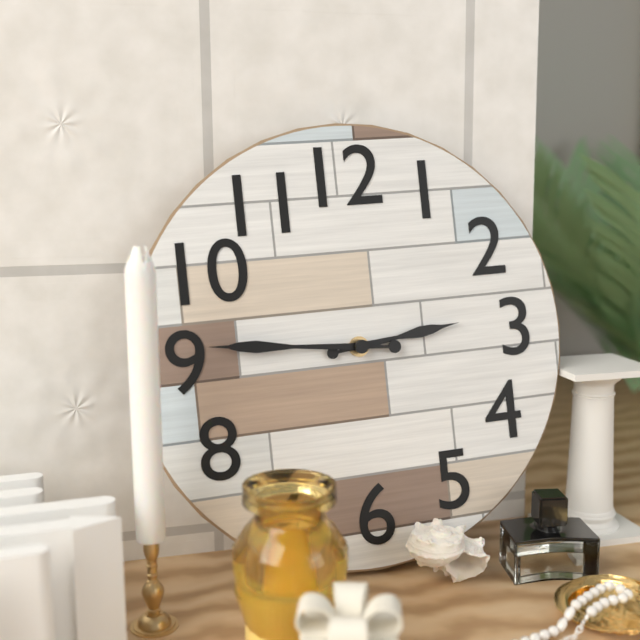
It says 2:46
